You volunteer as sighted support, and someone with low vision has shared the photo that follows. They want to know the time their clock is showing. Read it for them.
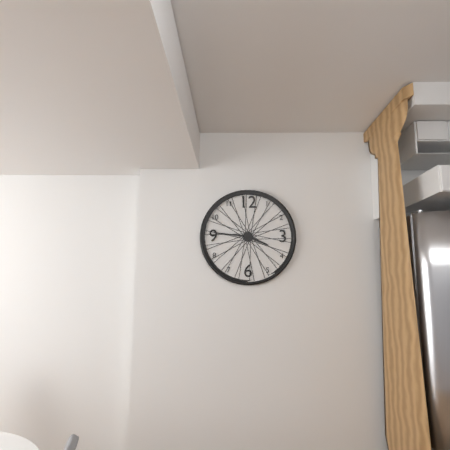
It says 3:46
